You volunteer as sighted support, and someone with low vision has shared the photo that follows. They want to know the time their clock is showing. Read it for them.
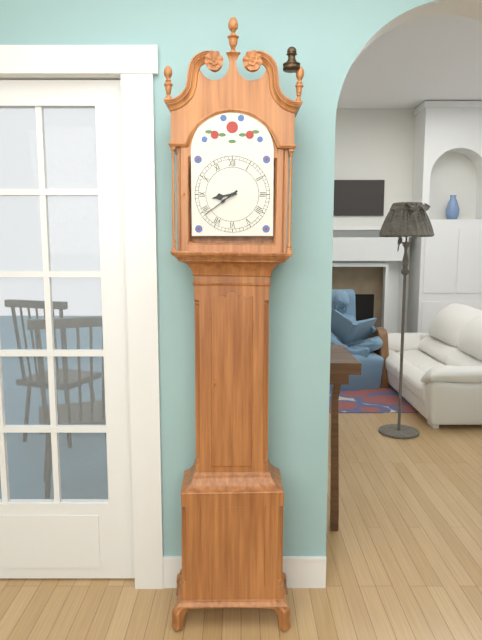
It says 8:39
